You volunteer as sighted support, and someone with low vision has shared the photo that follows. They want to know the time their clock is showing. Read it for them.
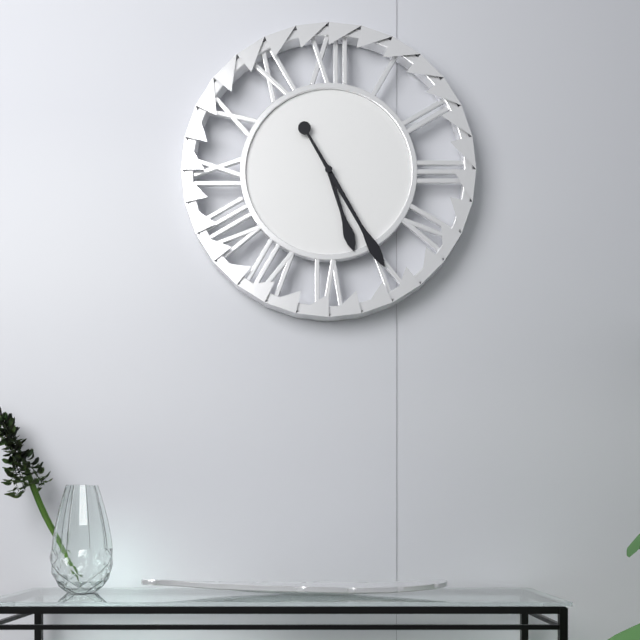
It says 5:25
